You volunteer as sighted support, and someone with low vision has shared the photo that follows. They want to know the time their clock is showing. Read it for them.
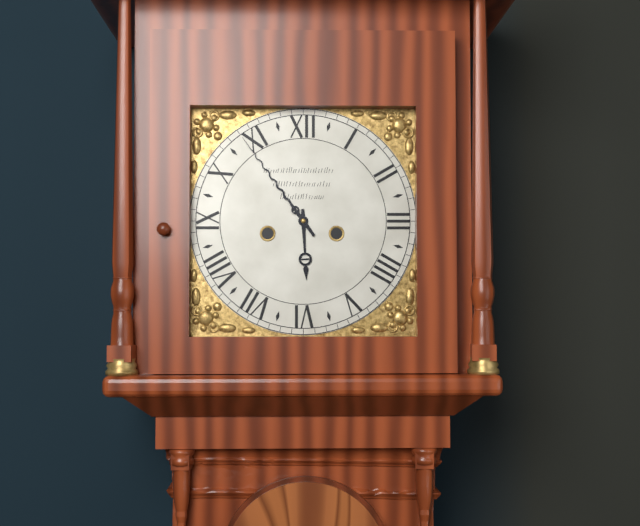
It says 5:54
